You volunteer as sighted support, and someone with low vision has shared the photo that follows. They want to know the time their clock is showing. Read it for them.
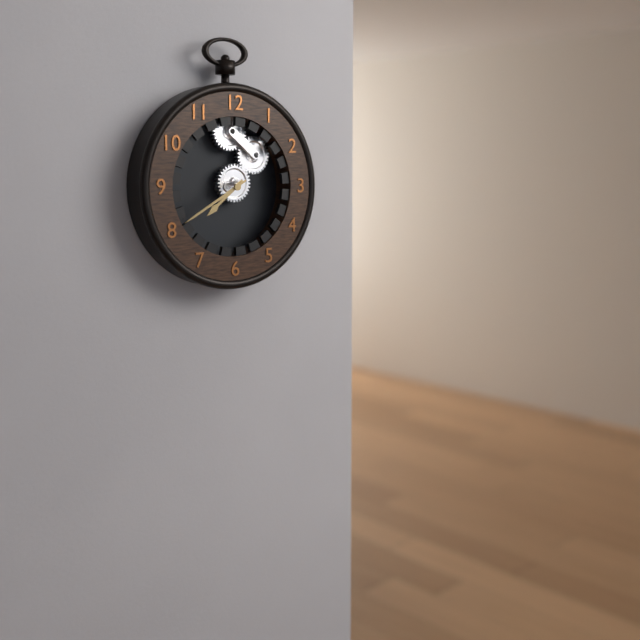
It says 7:40
